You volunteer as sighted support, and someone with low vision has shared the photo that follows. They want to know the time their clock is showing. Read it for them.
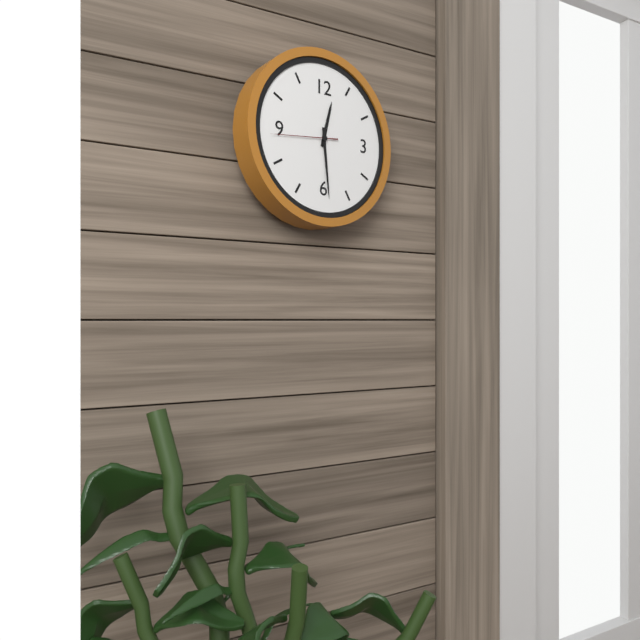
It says 12:29:44
